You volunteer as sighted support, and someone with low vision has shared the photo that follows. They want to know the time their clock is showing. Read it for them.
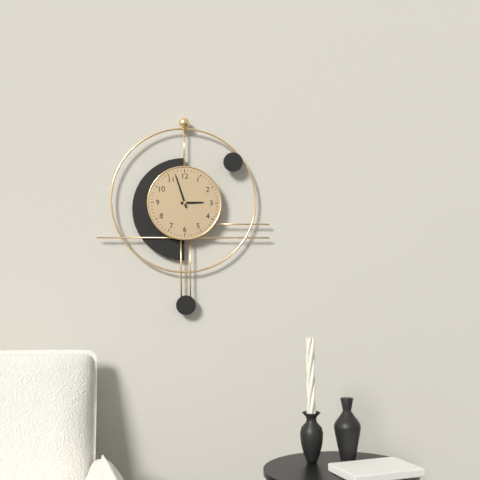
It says 2:57
